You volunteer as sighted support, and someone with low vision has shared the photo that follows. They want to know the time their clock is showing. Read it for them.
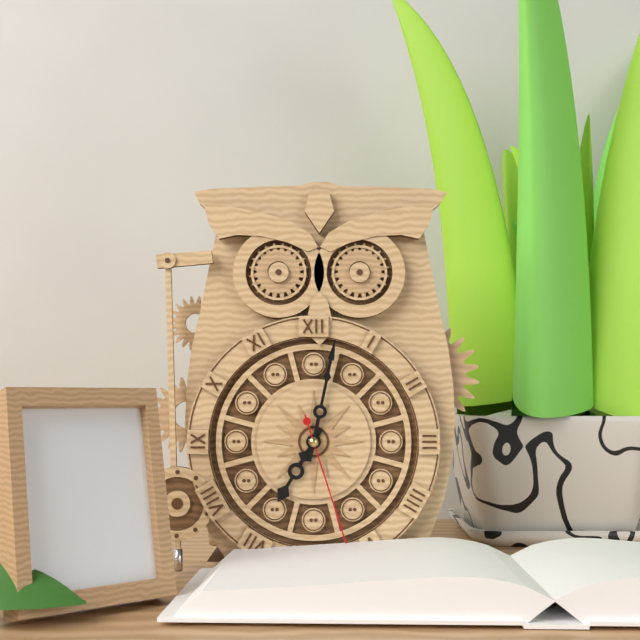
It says 7:02:27
